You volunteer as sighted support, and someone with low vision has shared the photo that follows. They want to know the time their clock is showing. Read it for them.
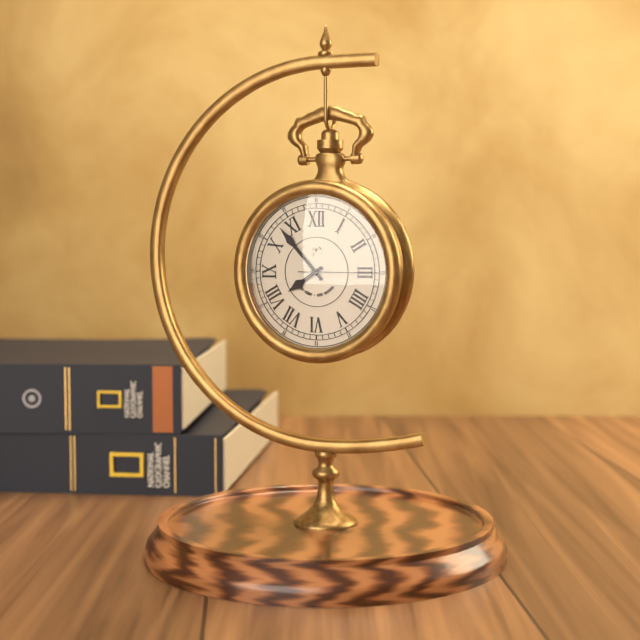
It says 7:53:15
